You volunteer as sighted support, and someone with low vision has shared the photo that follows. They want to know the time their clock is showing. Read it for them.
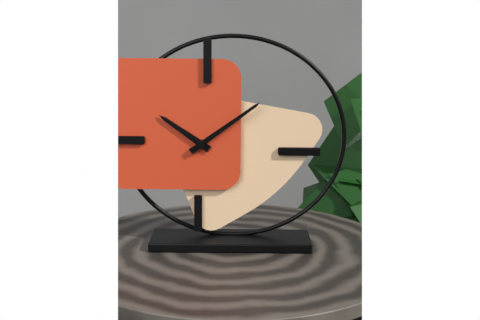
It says 10:09
